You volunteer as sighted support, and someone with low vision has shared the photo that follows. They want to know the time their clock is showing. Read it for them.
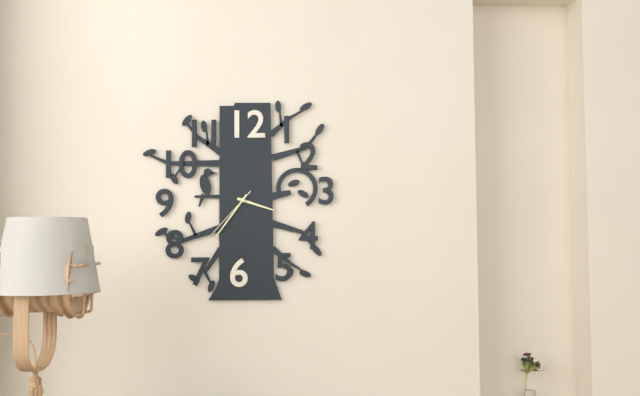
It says 3:36:37
